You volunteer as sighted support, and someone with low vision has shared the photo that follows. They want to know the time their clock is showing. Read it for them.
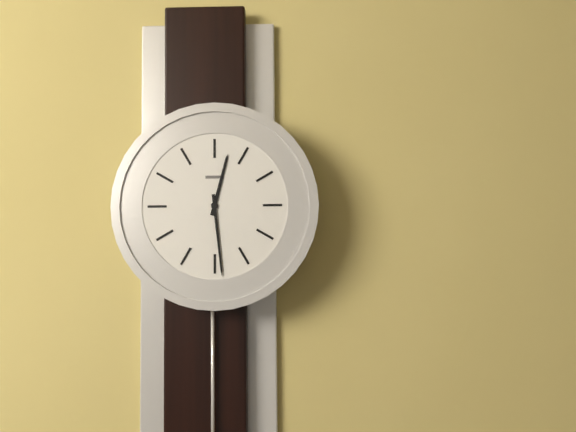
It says 12:29
